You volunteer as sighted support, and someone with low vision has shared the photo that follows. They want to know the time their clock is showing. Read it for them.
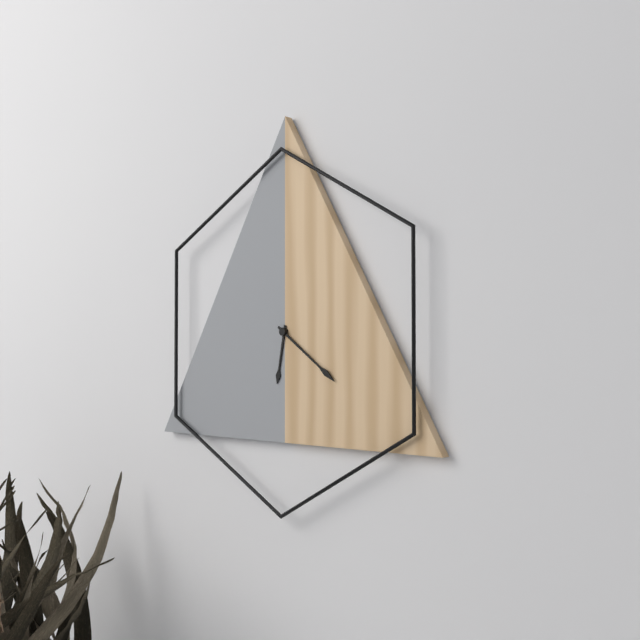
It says 6:21
